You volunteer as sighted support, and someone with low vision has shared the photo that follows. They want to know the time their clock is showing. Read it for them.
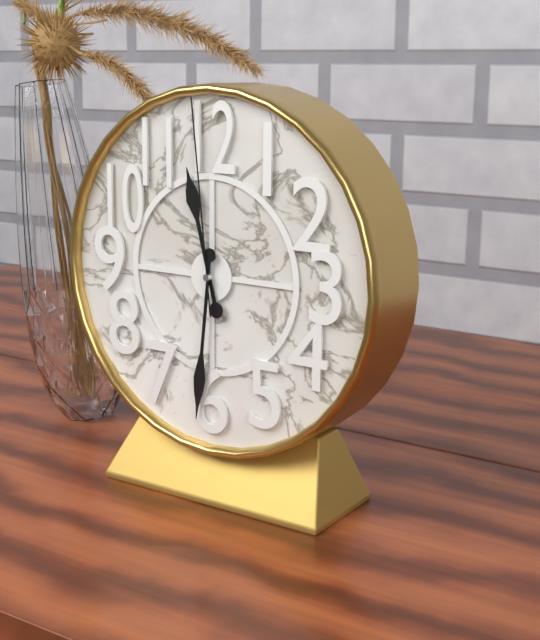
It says 11:31:59
